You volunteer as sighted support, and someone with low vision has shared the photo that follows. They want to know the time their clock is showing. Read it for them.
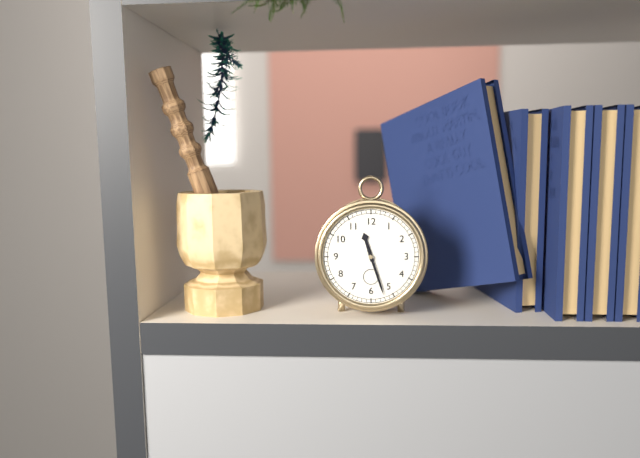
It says 11:27
